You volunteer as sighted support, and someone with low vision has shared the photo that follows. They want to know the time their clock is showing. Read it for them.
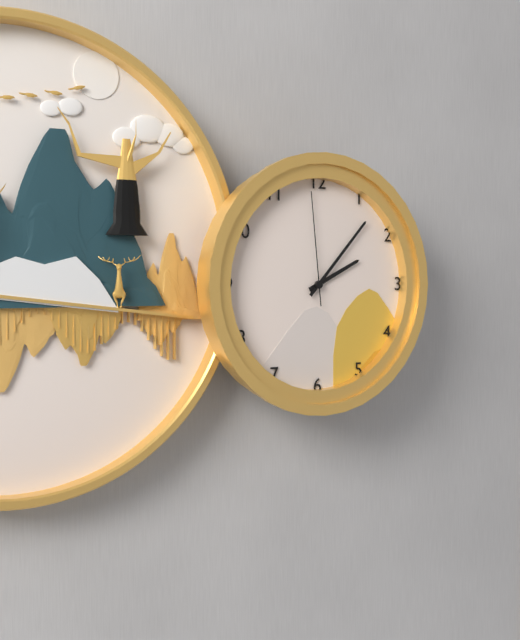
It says 2:07:59
